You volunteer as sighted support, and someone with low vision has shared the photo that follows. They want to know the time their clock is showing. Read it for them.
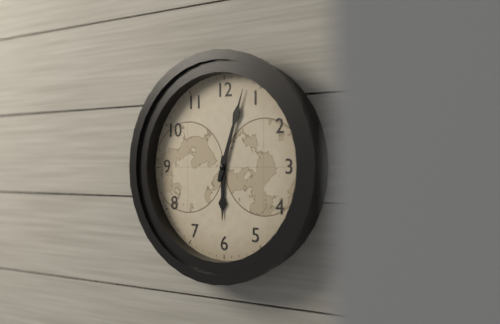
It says 6:03
